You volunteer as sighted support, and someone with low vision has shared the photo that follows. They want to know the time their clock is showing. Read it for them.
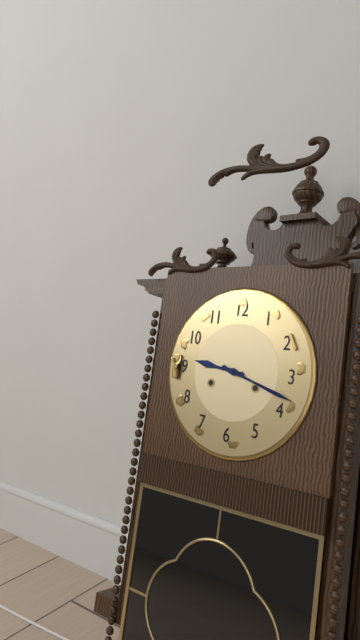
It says 9:18
